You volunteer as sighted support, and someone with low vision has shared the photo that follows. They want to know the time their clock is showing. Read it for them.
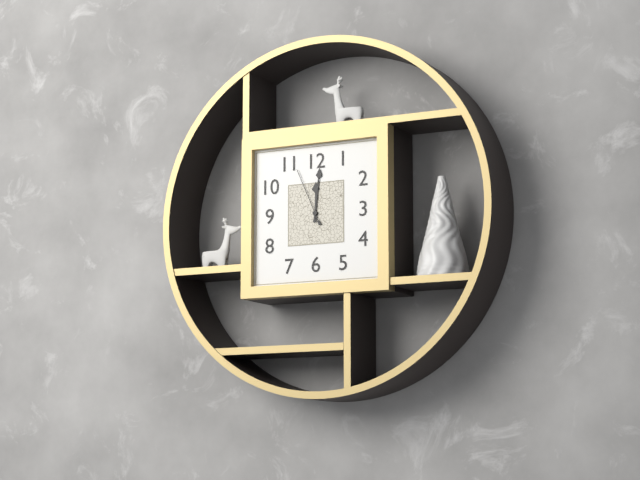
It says 12:01:56
